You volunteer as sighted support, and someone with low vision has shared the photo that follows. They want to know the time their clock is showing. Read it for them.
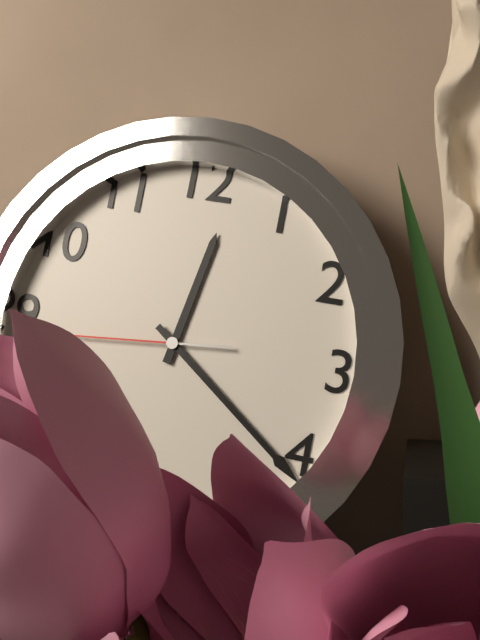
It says 12:21
